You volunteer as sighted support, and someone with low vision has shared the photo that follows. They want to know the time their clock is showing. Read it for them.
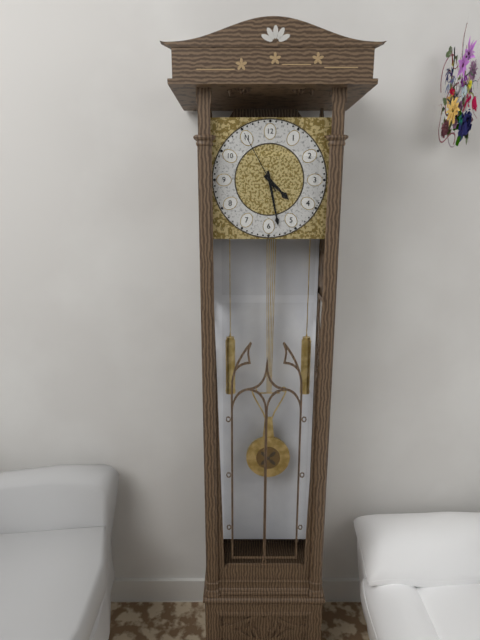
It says 4:28:55
